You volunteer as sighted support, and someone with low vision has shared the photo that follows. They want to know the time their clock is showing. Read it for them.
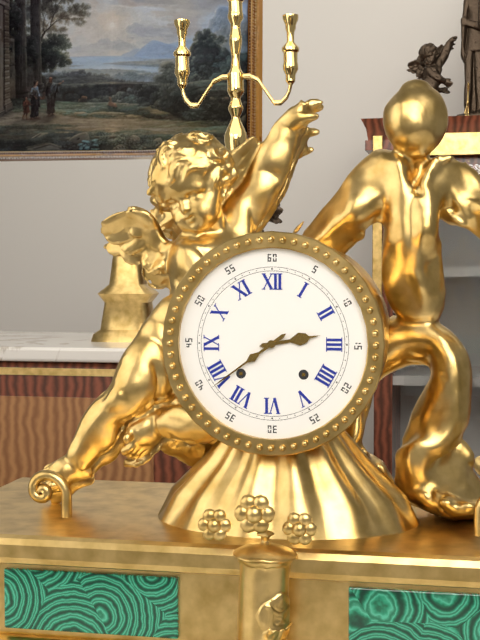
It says 2:39
